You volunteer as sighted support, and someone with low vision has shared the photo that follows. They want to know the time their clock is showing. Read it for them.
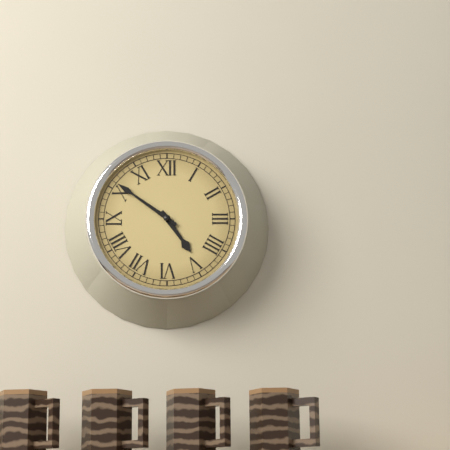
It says 4:51
